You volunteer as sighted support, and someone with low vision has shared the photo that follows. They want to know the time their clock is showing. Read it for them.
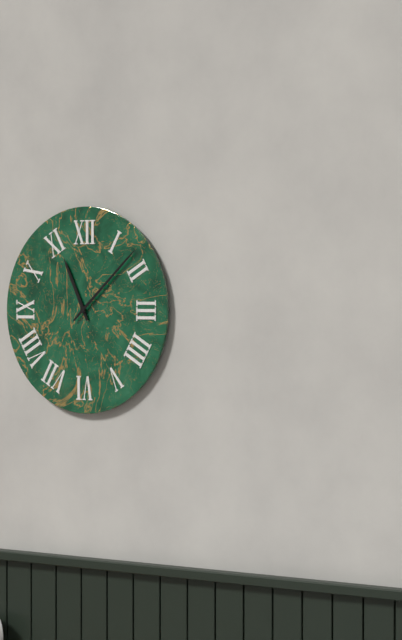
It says 11:08
